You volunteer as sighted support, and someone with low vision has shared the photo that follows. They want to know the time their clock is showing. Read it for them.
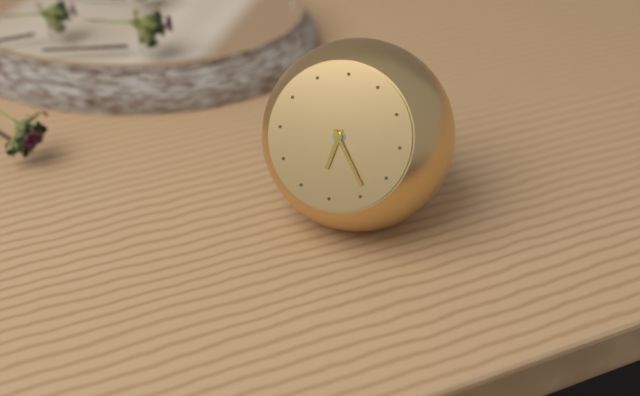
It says 6:24
